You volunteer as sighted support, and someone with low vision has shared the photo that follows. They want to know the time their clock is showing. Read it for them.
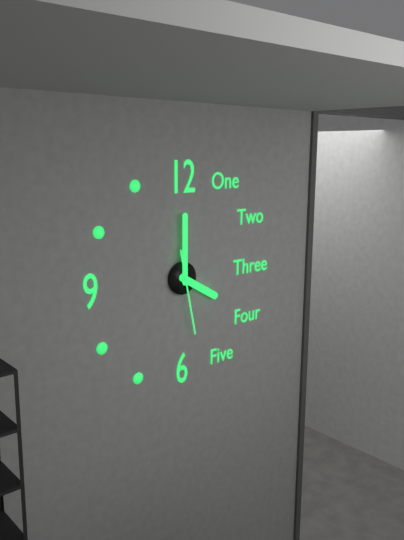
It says 4:00:28
